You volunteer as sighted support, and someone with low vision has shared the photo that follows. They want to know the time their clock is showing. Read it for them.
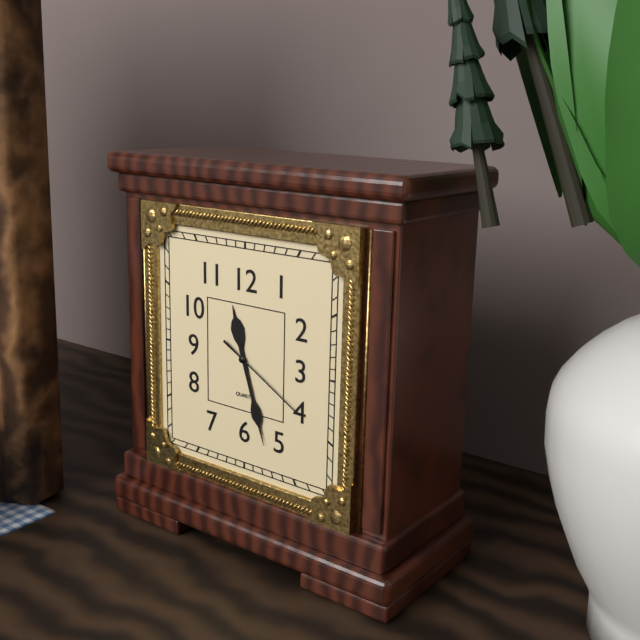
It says 11:27:20
